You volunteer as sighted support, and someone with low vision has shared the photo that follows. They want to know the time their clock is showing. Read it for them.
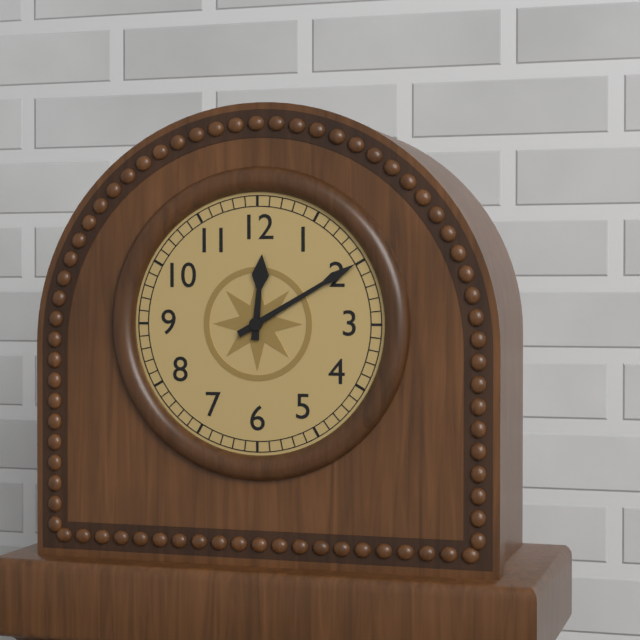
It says 12:10
